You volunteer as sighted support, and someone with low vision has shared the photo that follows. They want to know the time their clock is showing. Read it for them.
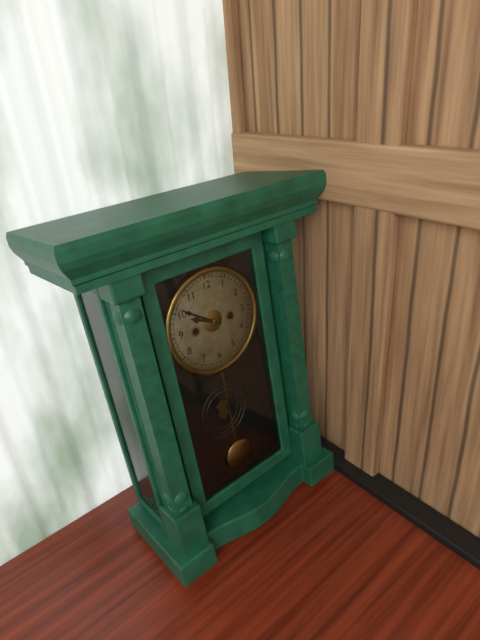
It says 9:51
